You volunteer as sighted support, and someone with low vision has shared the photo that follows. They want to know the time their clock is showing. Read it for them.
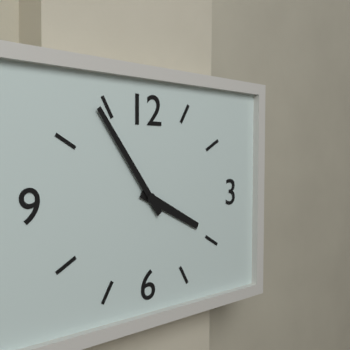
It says 3:54
